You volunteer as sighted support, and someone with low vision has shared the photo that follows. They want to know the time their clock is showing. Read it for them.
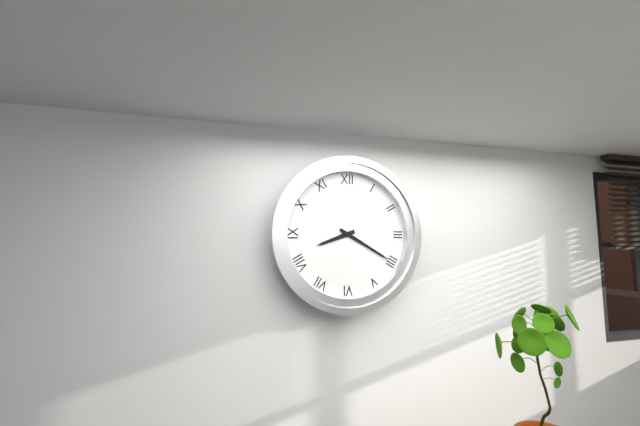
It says 8:20
